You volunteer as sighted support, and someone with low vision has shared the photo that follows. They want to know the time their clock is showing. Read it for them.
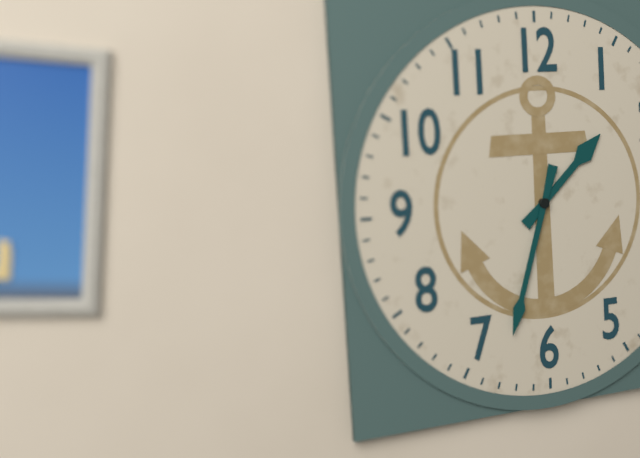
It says 1:33
